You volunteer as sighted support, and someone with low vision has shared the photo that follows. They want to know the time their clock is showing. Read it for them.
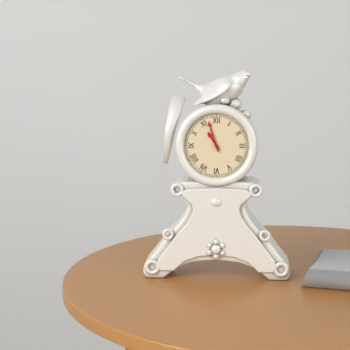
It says 10:57
